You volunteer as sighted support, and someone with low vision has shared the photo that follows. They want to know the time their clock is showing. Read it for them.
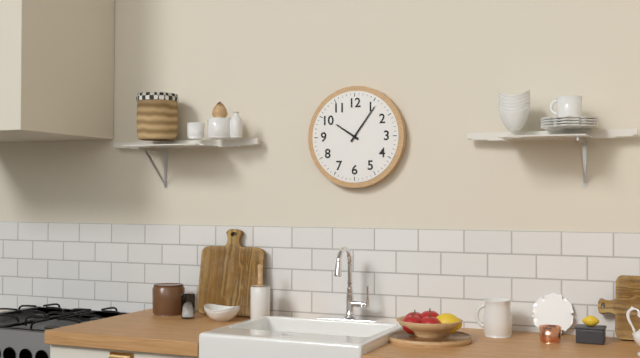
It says 10:06
